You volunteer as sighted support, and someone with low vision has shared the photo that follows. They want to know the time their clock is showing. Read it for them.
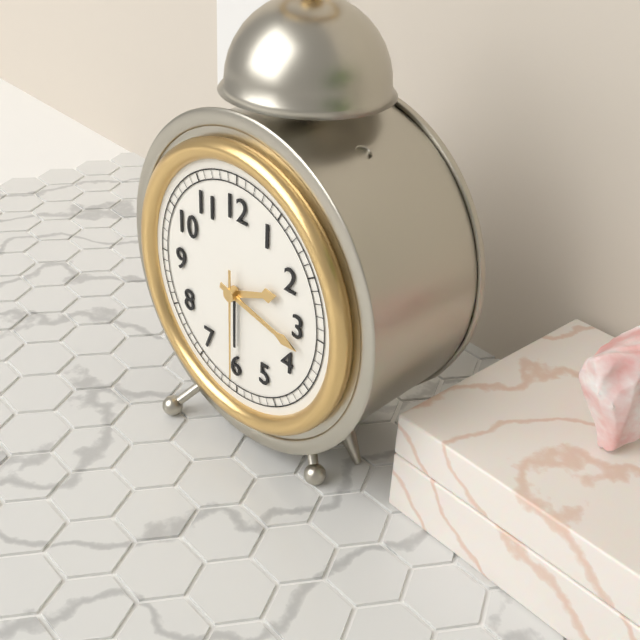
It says 2:17:30
